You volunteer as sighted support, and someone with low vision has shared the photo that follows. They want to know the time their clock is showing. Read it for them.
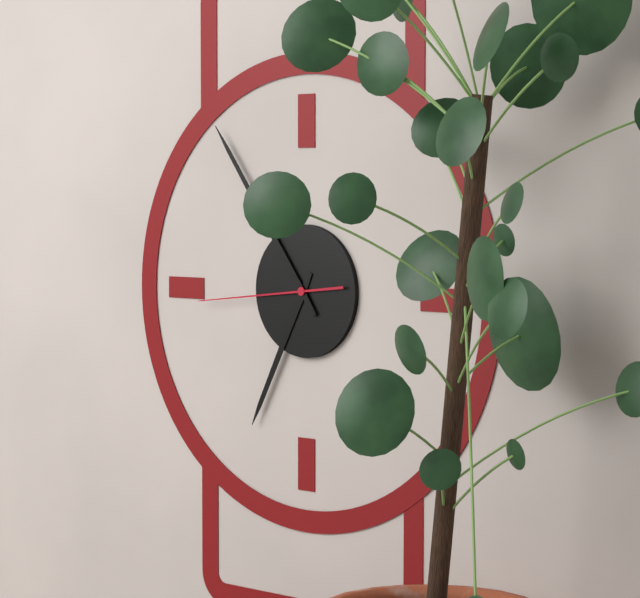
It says 6:54:44
